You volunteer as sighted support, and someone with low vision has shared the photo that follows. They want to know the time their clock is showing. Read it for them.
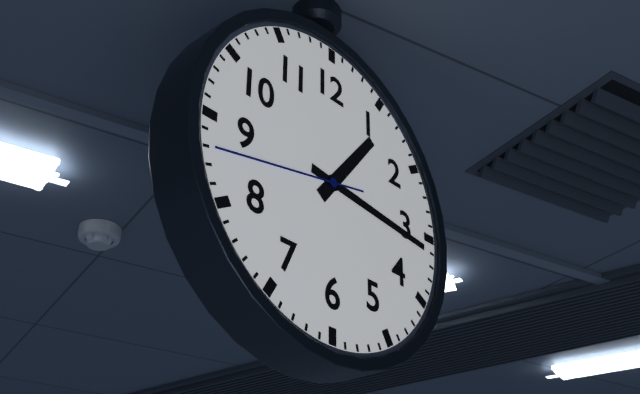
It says 1:16:43
